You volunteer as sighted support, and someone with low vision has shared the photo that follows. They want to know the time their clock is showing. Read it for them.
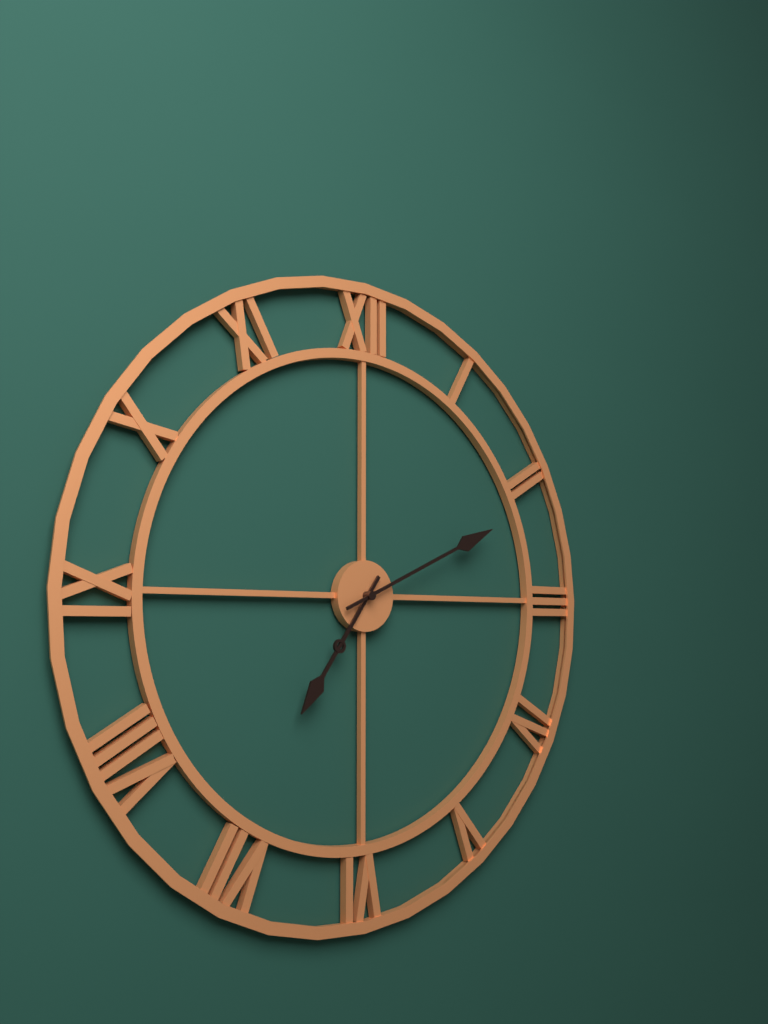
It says 7:11
